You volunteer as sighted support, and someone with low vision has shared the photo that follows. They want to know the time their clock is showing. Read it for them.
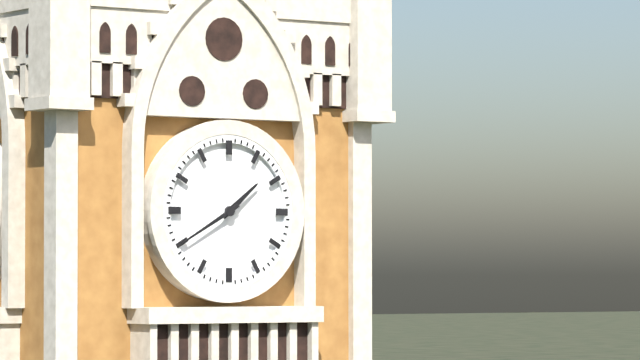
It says 1:40
